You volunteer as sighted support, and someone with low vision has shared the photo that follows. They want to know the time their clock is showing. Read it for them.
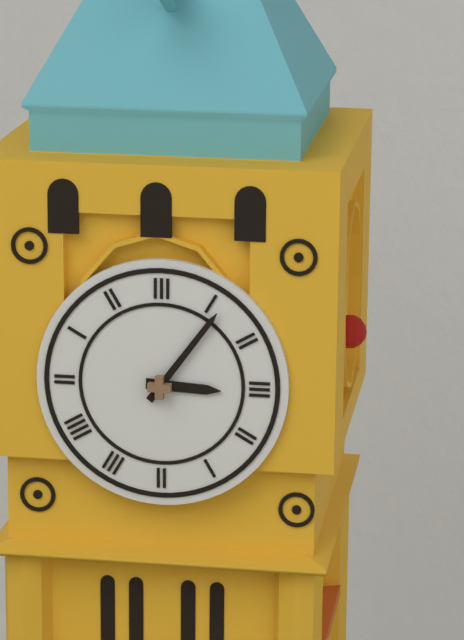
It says 3:06
